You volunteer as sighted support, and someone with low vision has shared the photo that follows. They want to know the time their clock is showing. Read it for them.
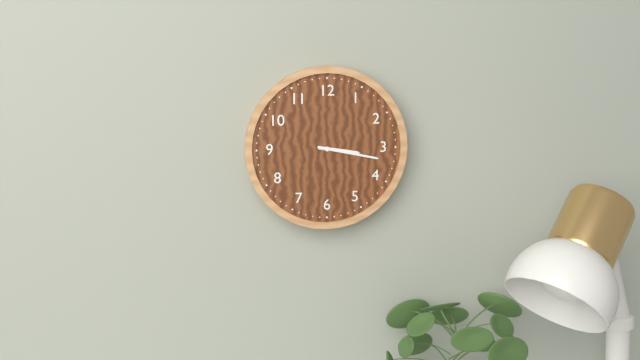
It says 3:17
